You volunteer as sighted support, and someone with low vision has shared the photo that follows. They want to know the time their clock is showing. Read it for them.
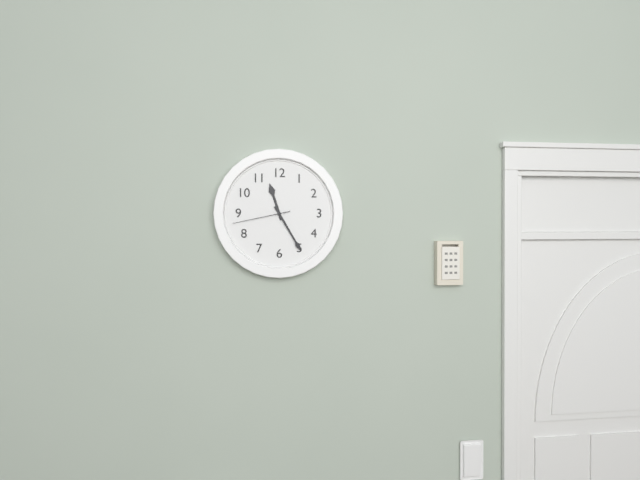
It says 11:25:43
